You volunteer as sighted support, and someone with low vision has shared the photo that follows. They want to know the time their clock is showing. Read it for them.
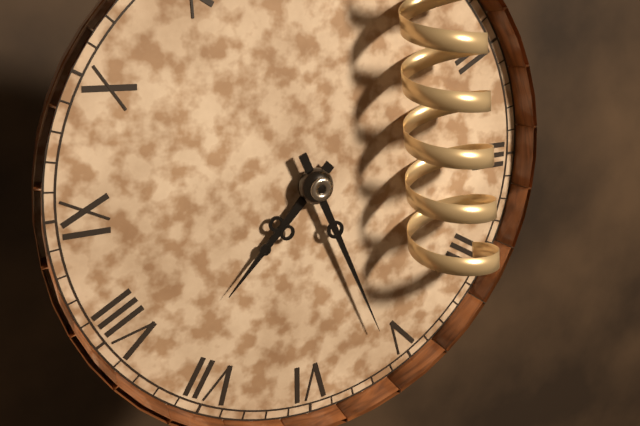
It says 7:26
